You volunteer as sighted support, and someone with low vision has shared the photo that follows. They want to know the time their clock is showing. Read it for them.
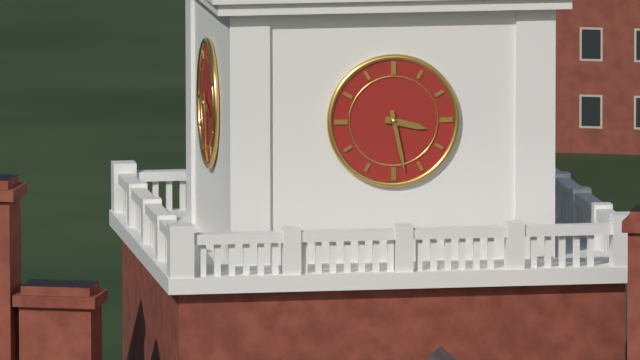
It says 3:28
